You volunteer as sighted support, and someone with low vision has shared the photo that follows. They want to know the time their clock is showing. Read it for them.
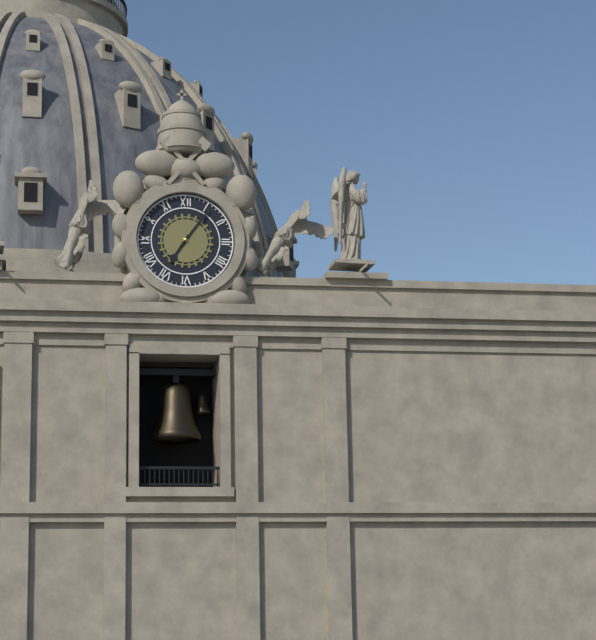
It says 7:06
